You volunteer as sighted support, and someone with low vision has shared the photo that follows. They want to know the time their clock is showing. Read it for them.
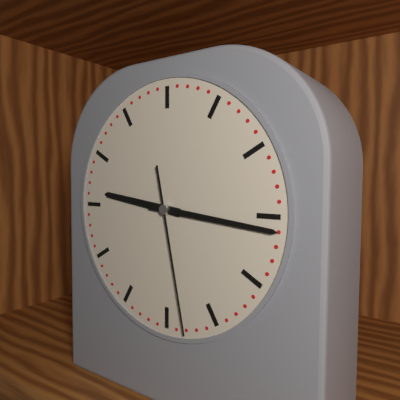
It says 9:16:28
